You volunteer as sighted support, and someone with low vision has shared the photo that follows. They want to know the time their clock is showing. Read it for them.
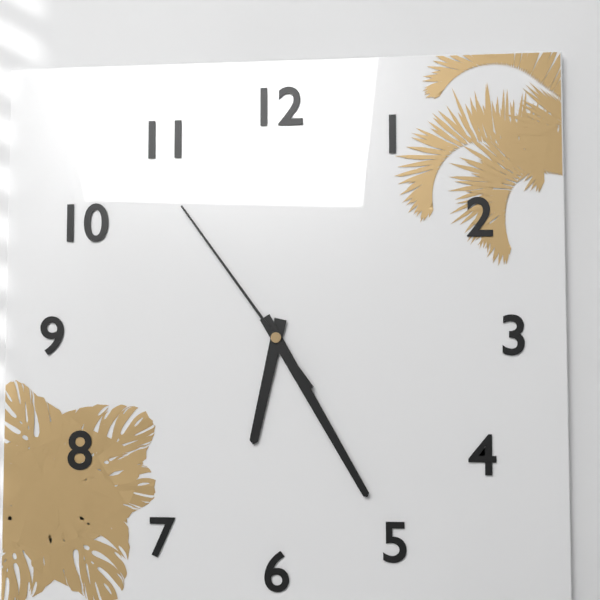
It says 6:25:54
